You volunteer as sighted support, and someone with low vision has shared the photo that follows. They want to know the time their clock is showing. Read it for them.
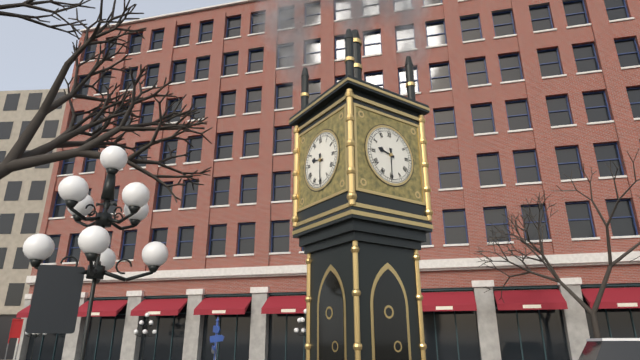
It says 9:30
